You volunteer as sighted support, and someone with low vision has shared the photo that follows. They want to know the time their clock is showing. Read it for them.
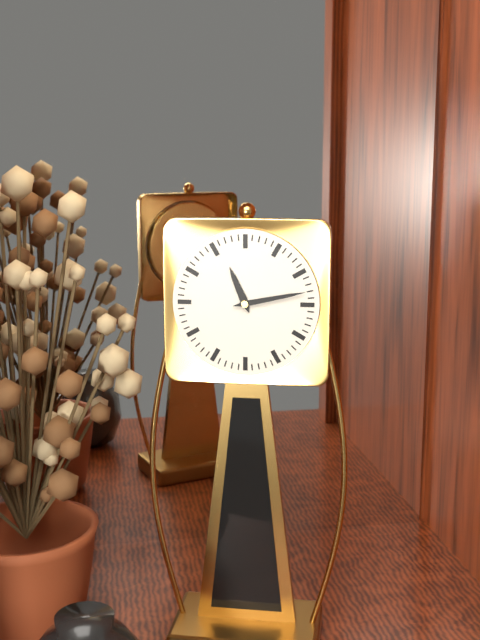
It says 11:13
